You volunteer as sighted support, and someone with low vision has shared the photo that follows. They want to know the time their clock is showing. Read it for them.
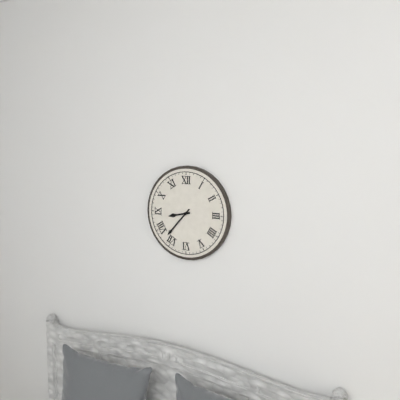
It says 8:37
